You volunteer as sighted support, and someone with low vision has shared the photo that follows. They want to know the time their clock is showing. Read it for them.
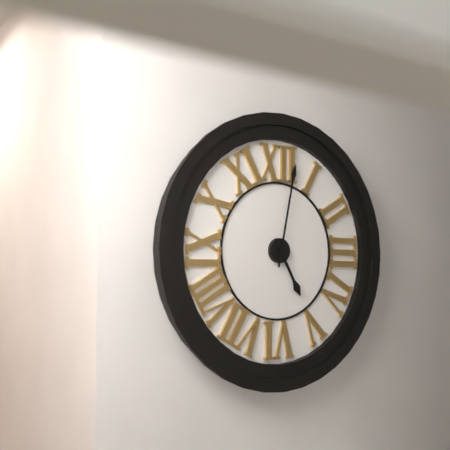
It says 5:02
